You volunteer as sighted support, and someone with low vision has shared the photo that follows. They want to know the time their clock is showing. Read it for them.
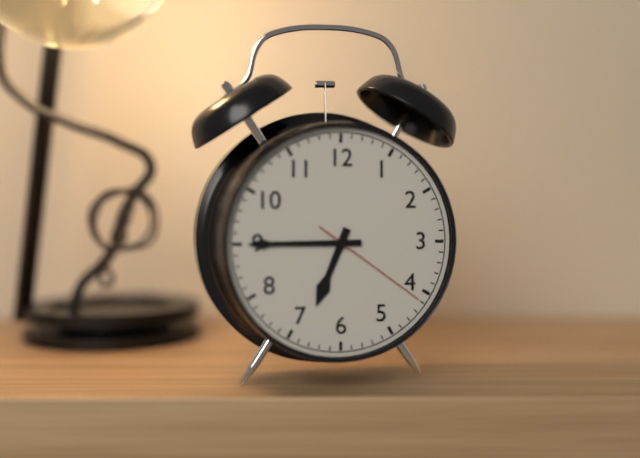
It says 6:45:21
